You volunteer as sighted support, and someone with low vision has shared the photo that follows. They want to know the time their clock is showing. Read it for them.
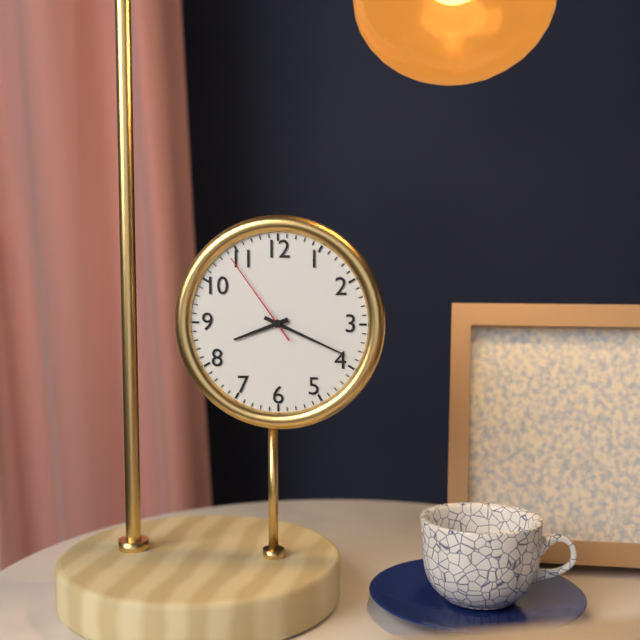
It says 8:19:54
